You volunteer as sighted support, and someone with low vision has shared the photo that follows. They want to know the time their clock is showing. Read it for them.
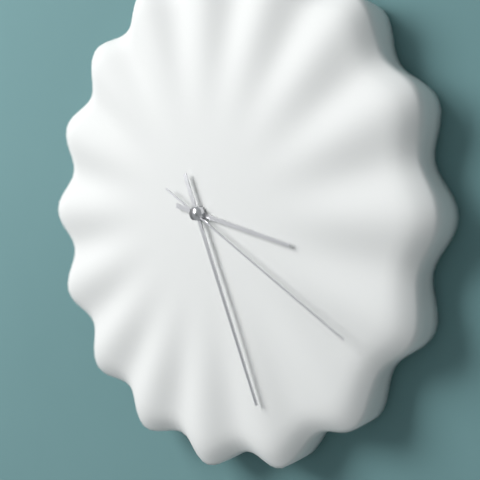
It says 3:26:20
